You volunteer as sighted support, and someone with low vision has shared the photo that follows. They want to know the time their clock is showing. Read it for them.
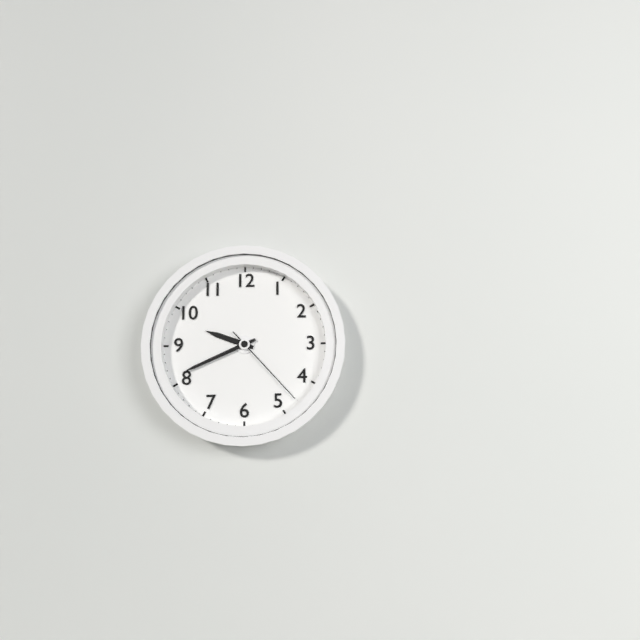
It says 9:41:23
